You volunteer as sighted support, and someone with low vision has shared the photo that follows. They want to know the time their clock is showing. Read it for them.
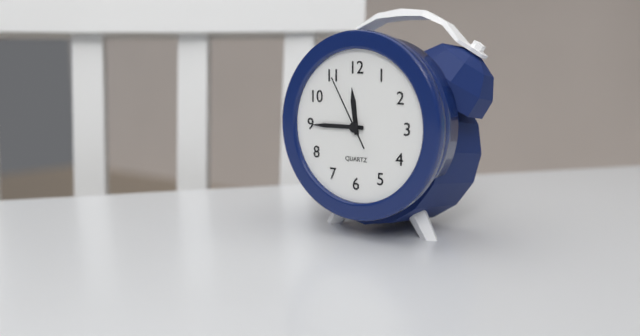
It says 11:45:55
